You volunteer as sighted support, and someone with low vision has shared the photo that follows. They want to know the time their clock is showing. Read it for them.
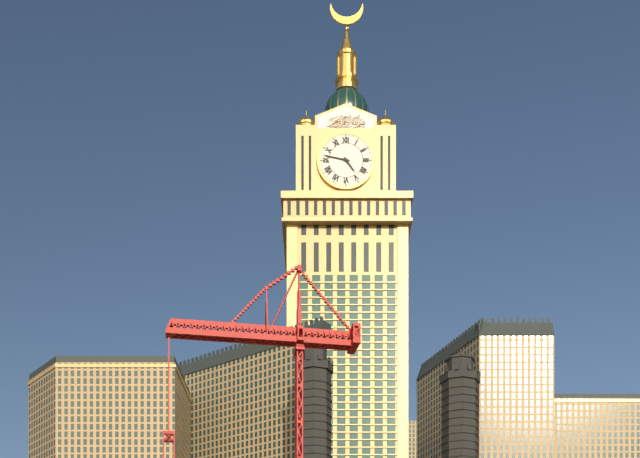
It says 4:47
